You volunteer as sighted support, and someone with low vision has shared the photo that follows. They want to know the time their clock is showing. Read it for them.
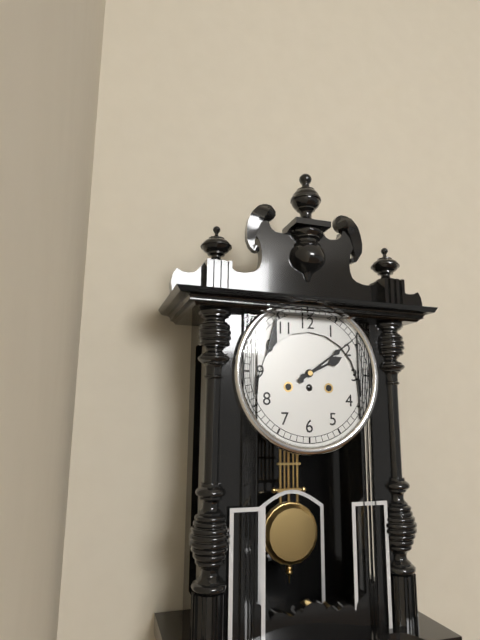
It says 2:09
